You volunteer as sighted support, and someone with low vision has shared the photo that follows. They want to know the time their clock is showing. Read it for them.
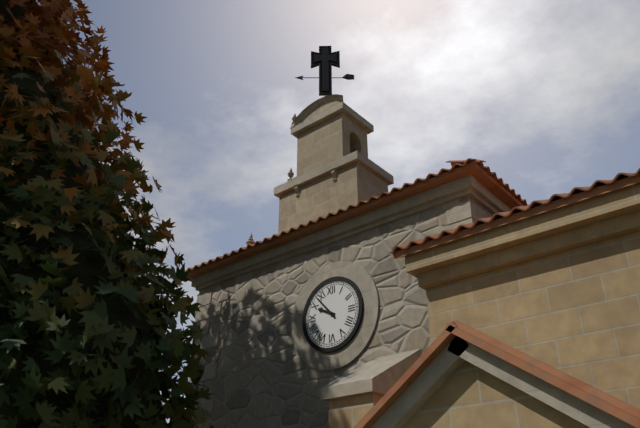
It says 9:53
